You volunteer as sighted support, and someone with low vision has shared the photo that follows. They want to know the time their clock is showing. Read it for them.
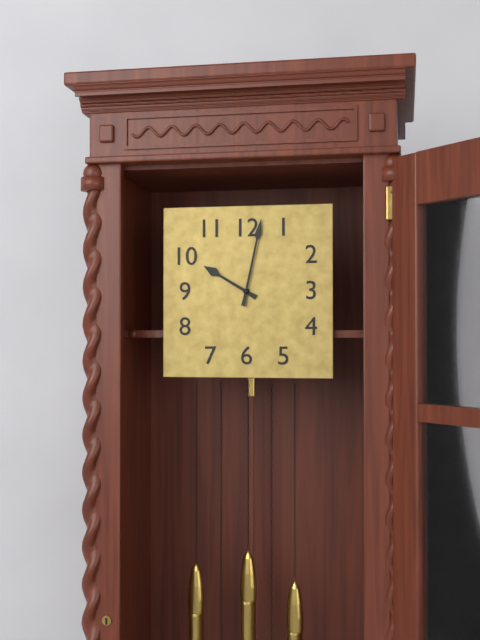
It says 10:02
